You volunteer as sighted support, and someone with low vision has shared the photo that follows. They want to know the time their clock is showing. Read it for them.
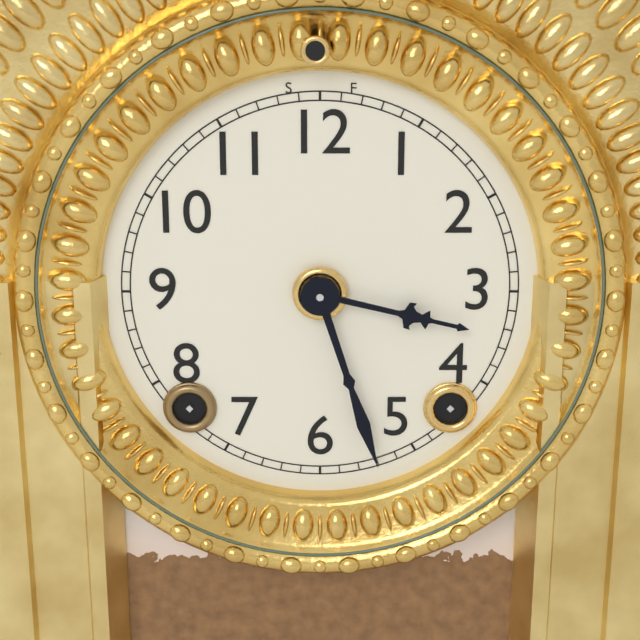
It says 3:27
